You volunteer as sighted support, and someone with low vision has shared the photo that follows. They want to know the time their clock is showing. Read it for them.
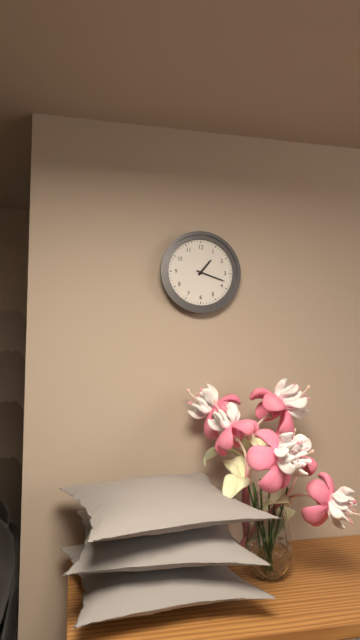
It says 1:18
